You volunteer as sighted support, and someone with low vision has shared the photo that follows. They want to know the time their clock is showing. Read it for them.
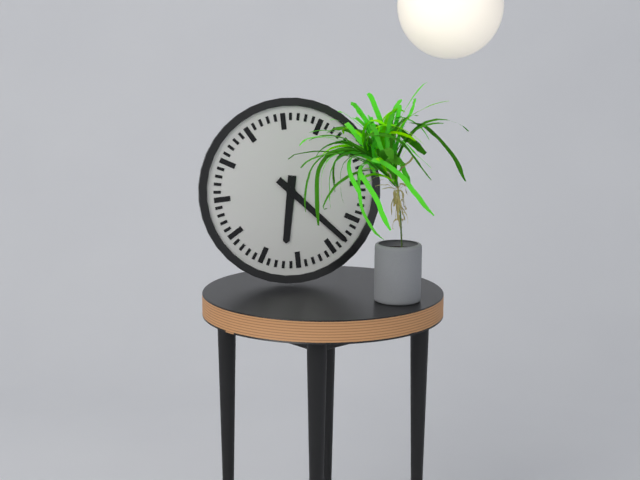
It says 6:23
